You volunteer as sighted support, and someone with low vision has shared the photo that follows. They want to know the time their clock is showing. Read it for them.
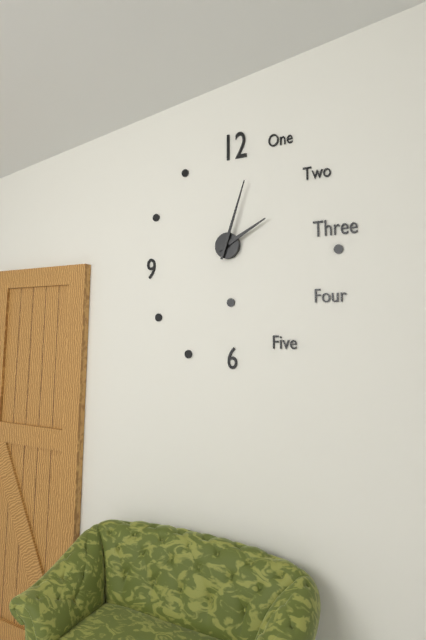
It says 2:03
